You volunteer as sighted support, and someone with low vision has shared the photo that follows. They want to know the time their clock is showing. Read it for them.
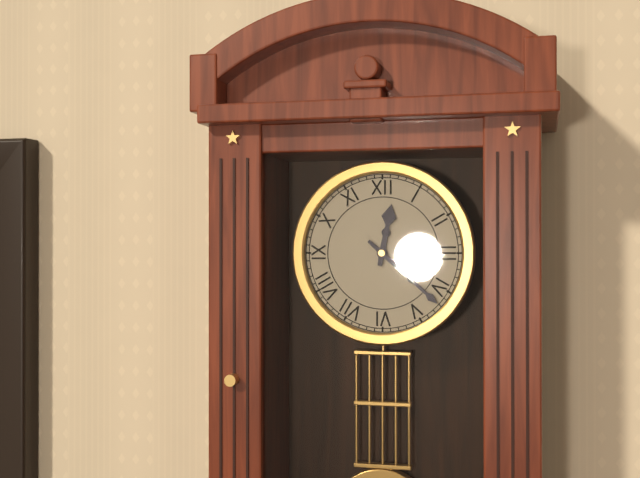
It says 12:22
